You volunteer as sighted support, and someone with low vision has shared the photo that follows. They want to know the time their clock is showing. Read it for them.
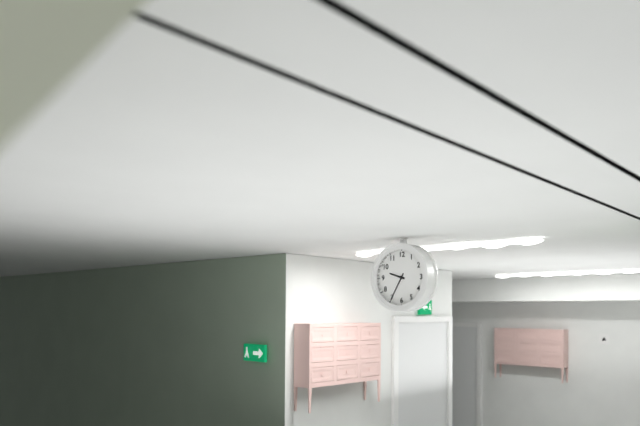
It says 9:35
